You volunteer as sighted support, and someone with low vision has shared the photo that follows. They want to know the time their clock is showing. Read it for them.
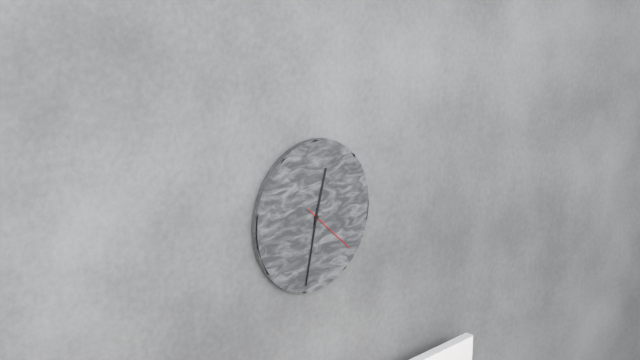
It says 12:32:22
